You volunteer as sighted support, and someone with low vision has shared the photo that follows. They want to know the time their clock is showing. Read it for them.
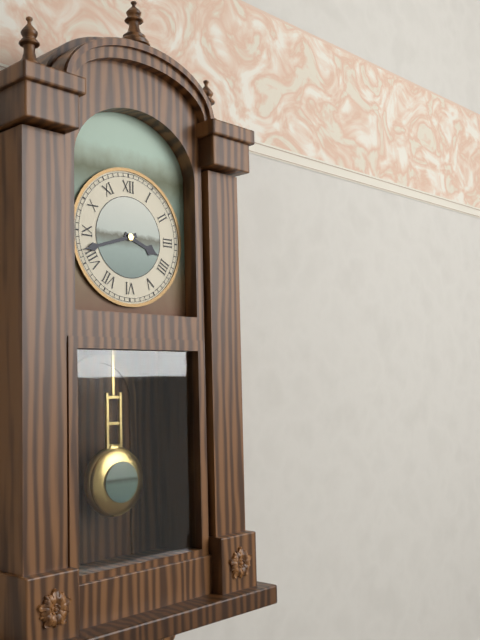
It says 3:42
